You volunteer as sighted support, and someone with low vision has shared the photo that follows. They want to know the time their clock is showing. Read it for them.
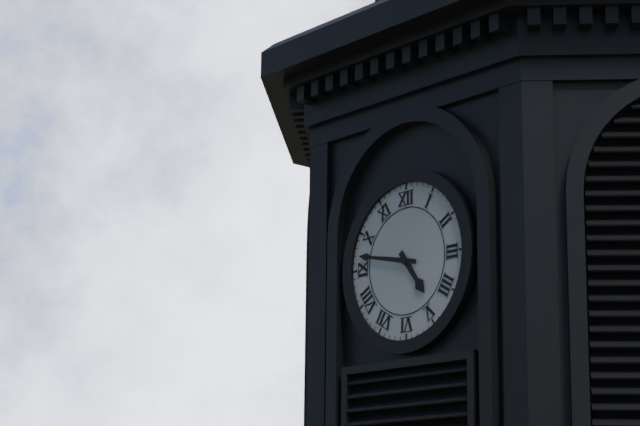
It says 4:47
